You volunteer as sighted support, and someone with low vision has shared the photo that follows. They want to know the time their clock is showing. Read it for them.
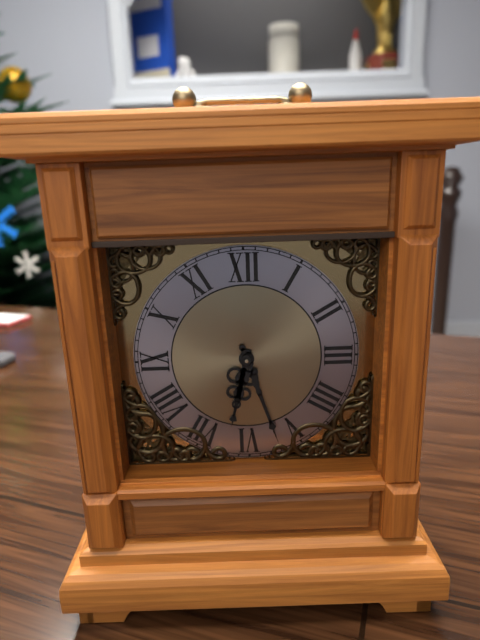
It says 6:27
